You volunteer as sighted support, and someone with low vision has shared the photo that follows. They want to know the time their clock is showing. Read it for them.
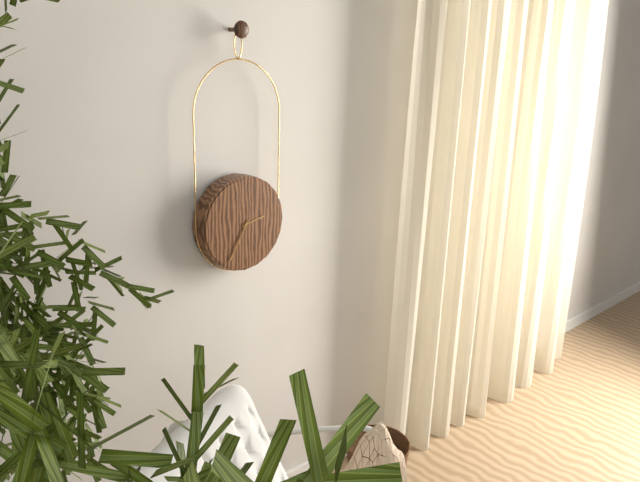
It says 2:35
